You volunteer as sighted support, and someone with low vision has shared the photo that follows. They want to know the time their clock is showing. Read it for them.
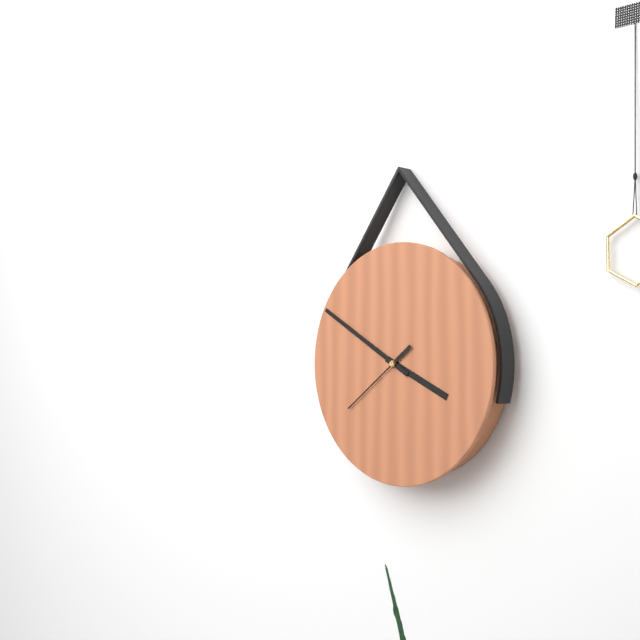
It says 3:50:39
